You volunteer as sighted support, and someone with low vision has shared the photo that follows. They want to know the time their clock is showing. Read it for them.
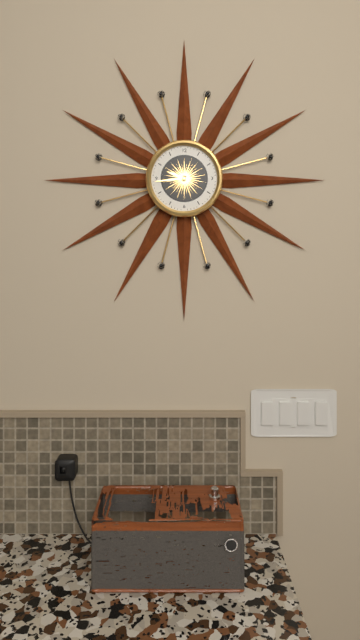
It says 9:44
